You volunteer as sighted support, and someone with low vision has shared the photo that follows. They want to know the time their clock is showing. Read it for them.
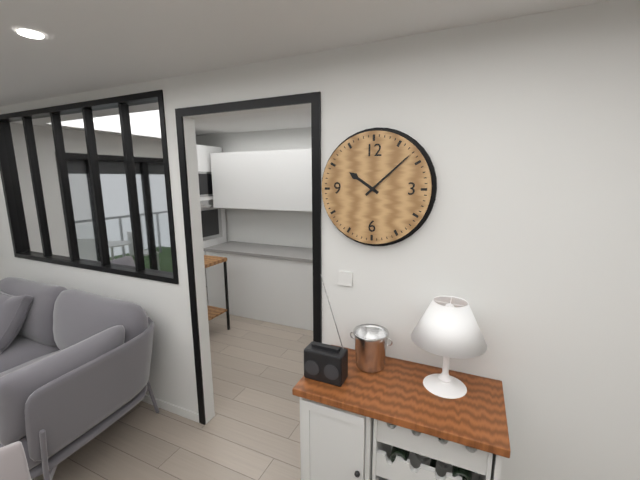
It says 10:08
